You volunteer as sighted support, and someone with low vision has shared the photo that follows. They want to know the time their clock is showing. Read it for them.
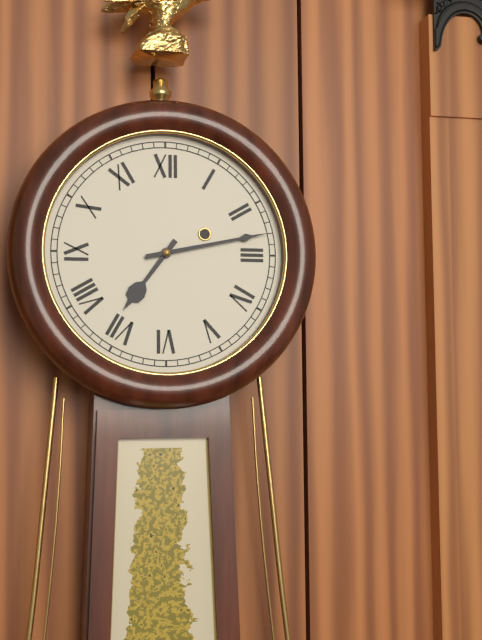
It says 7:13
